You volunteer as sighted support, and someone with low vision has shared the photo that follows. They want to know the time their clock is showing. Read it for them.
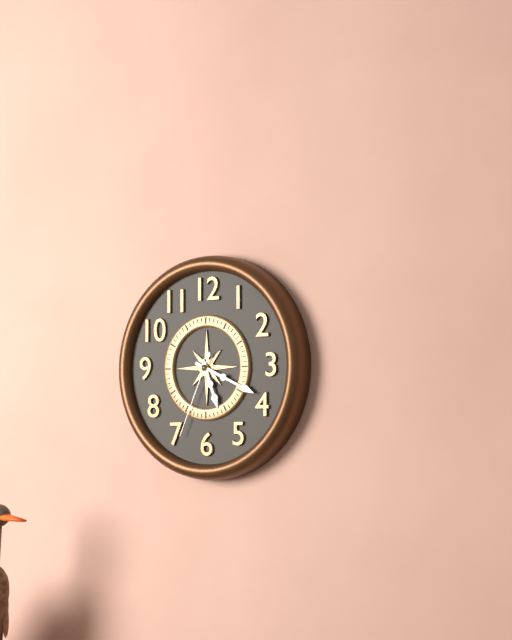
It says 5:19:34
